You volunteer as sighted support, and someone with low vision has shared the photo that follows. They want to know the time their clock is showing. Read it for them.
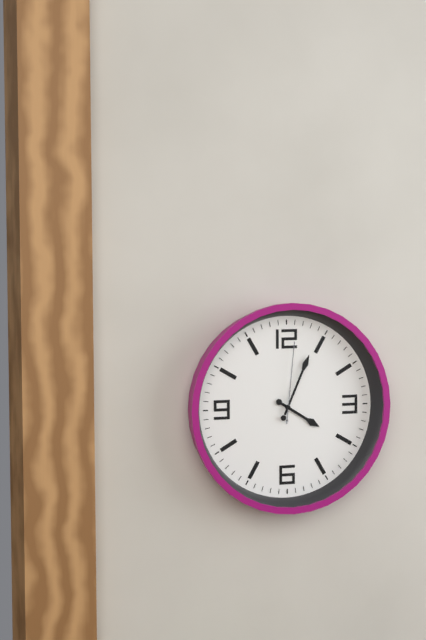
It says 4:04:01
